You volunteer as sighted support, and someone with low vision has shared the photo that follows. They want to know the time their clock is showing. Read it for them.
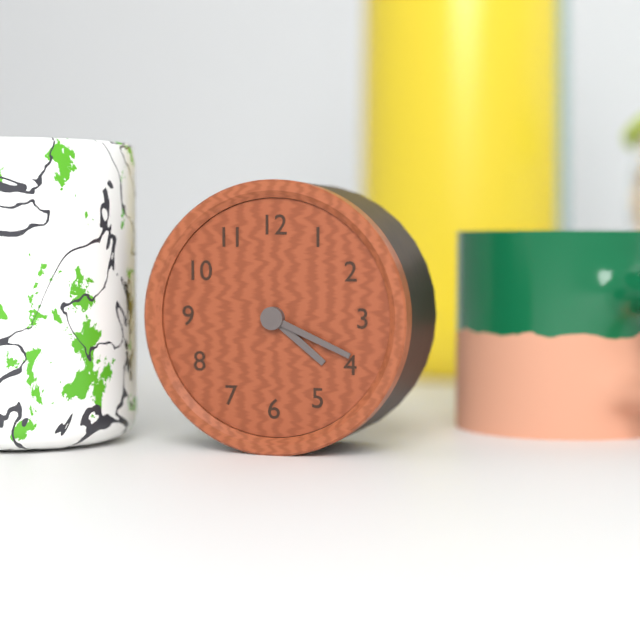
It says 4:19
